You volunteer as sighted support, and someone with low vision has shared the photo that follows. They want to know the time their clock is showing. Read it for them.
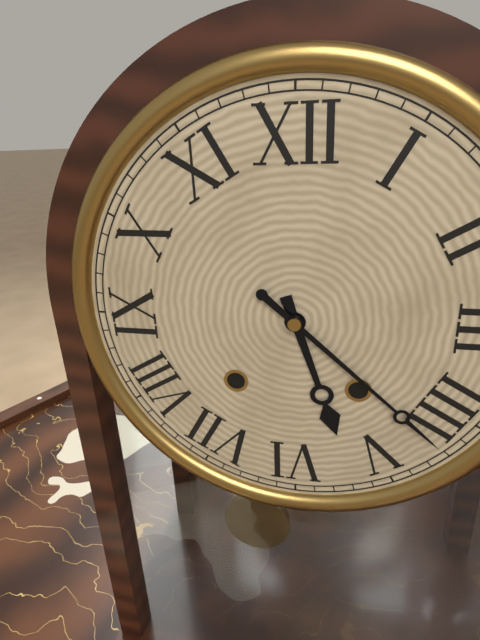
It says 5:22
